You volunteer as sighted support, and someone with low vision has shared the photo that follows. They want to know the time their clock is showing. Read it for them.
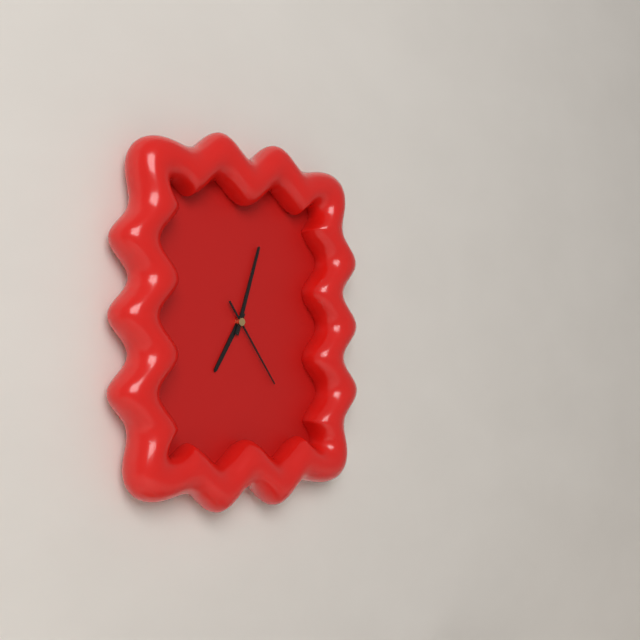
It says 7:03:24
